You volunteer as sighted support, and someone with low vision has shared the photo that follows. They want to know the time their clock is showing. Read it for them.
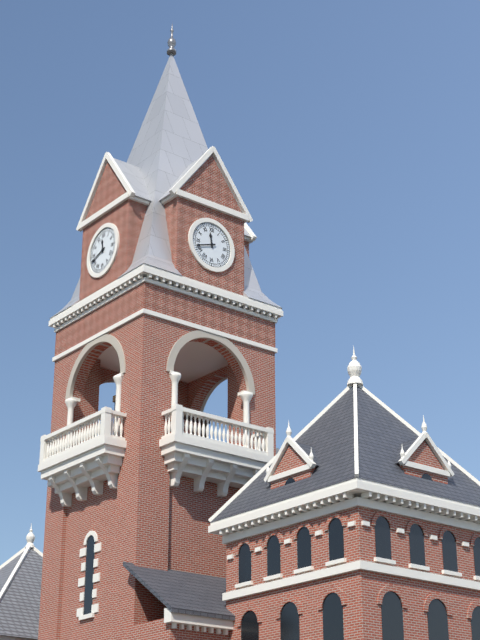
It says 11:42
